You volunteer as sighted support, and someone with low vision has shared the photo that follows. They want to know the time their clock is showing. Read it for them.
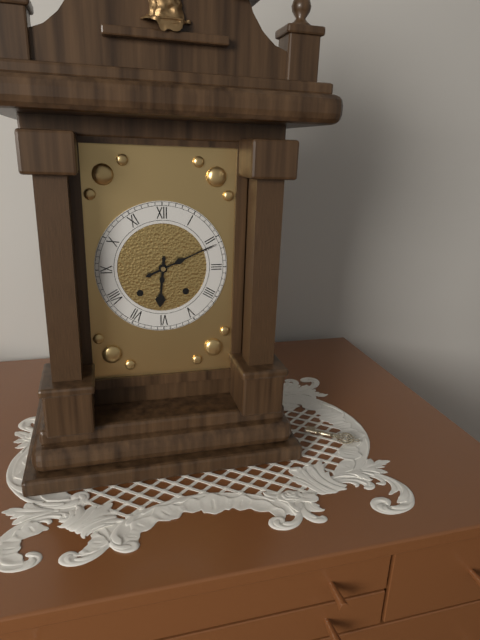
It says 6:11
